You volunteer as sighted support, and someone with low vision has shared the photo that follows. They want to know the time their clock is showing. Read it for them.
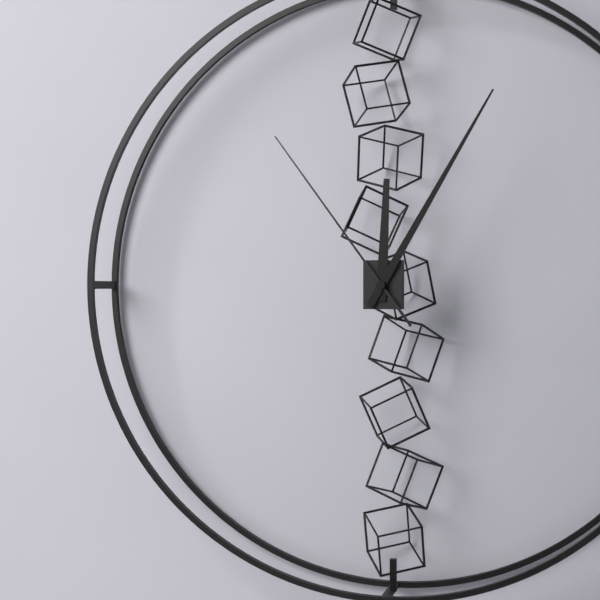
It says 12:05:54
